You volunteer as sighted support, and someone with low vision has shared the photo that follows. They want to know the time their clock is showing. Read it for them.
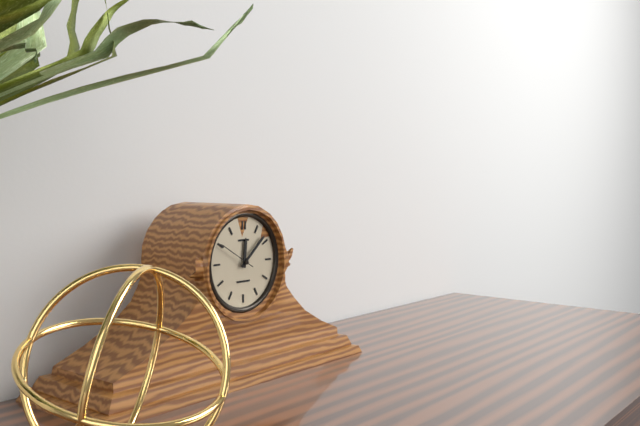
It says 12:08
